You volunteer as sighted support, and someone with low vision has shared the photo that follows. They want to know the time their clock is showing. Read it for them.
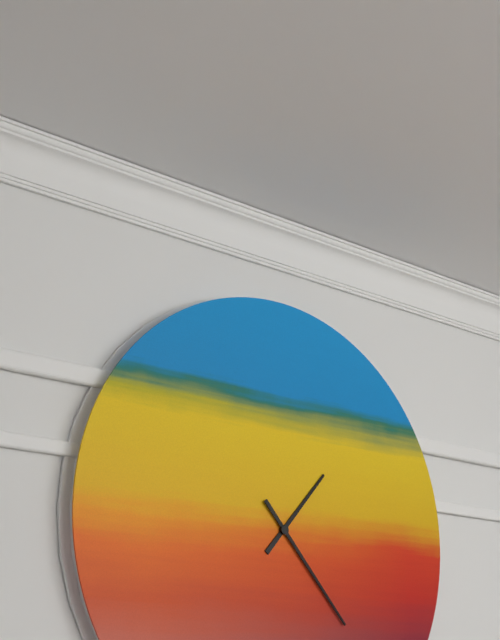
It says 1:23
